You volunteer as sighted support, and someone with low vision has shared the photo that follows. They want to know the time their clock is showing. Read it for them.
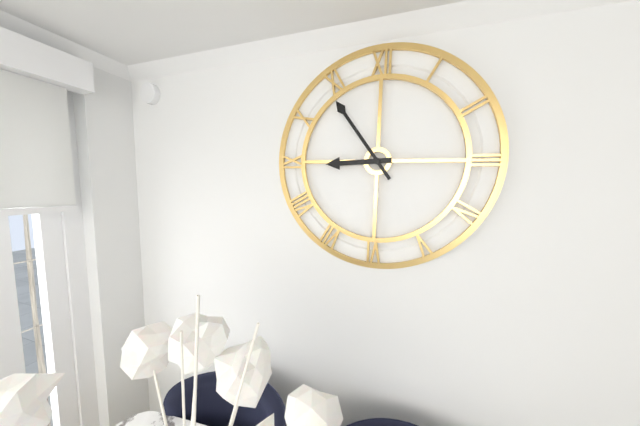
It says 8:54
